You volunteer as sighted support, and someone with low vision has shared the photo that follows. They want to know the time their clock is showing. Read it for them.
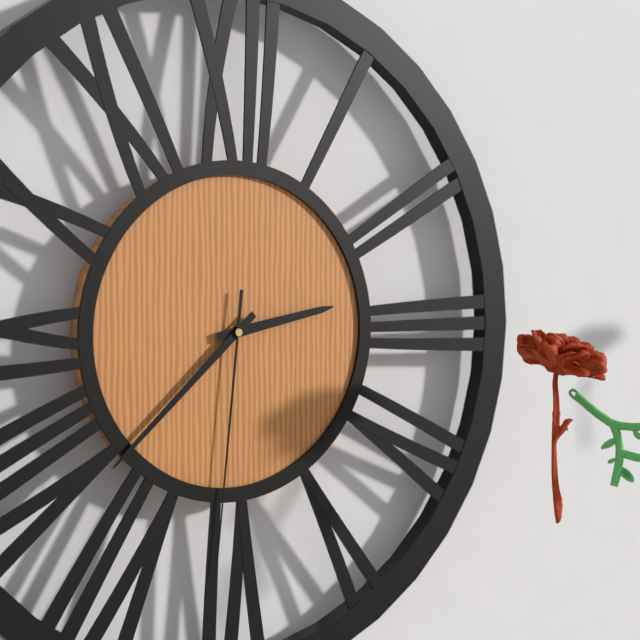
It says 2:38:31
